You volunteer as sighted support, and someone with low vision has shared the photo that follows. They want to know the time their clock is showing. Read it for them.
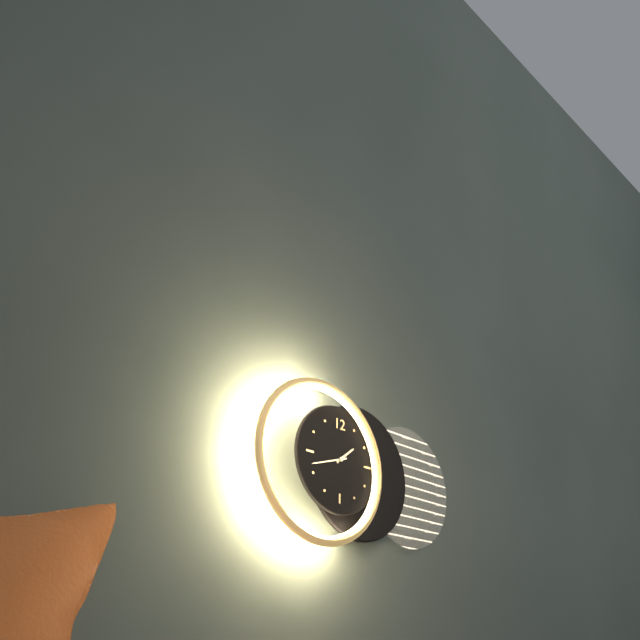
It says 1:42
